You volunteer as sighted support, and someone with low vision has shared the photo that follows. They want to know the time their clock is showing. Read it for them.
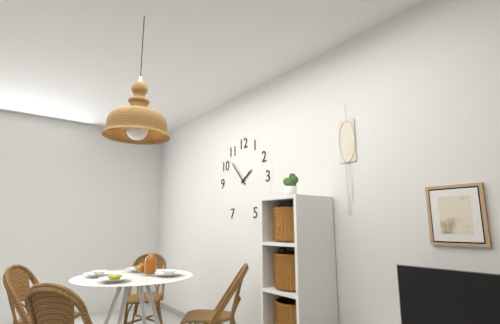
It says 1:53
